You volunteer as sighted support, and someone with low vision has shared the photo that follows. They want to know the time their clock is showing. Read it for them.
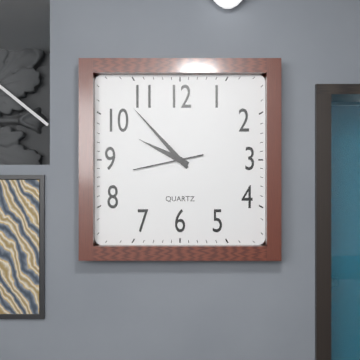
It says 9:53:43
